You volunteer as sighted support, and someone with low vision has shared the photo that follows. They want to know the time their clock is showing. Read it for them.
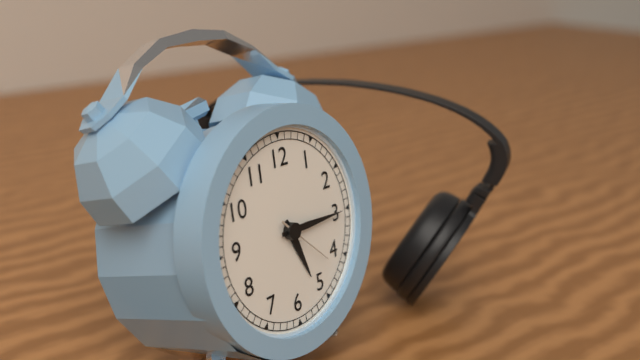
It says 5:15:22
